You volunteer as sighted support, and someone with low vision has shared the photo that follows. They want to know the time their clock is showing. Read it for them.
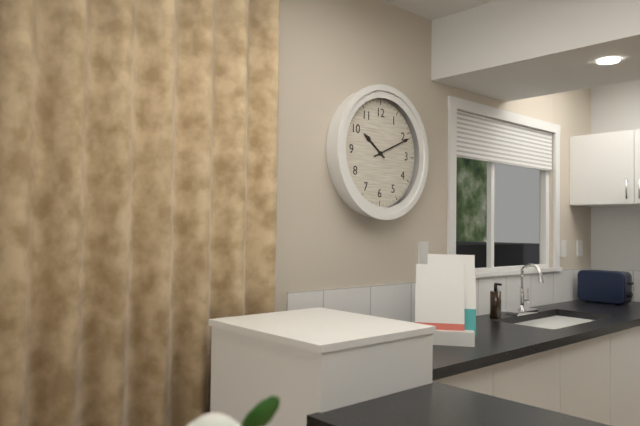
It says 10:11
